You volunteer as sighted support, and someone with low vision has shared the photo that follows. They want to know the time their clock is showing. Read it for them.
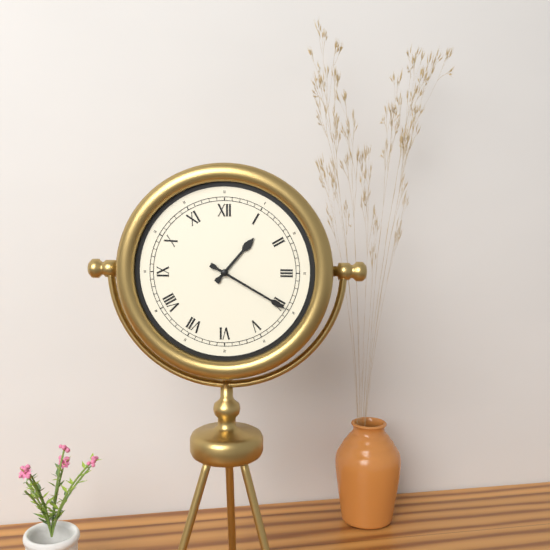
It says 1:20
